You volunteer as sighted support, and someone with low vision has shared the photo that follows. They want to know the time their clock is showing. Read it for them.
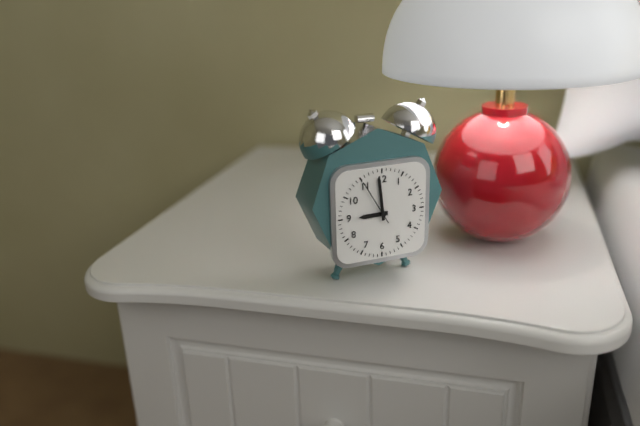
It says 8:59
